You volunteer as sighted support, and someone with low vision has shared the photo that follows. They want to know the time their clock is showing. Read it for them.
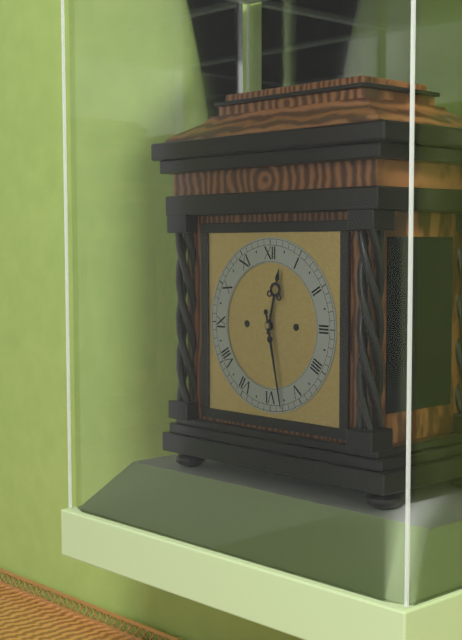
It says 12:28
